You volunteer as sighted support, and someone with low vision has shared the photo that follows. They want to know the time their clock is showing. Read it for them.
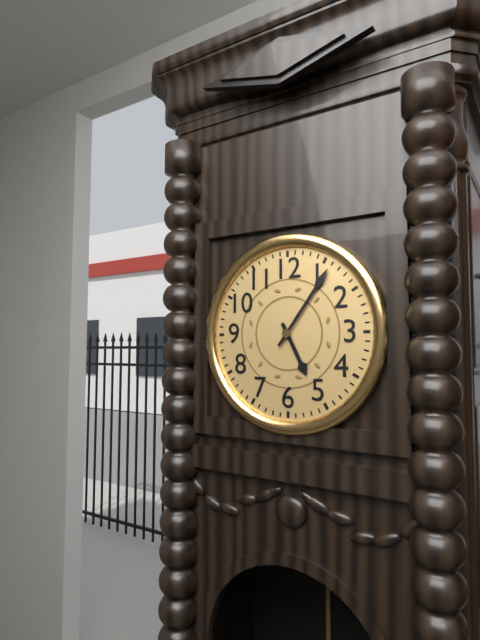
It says 5:06
